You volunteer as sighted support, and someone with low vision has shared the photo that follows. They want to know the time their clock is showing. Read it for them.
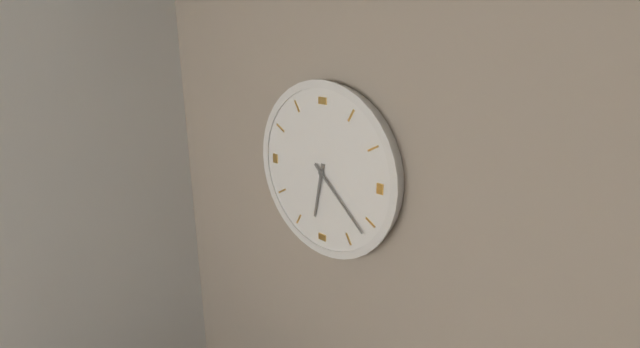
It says 6:22
